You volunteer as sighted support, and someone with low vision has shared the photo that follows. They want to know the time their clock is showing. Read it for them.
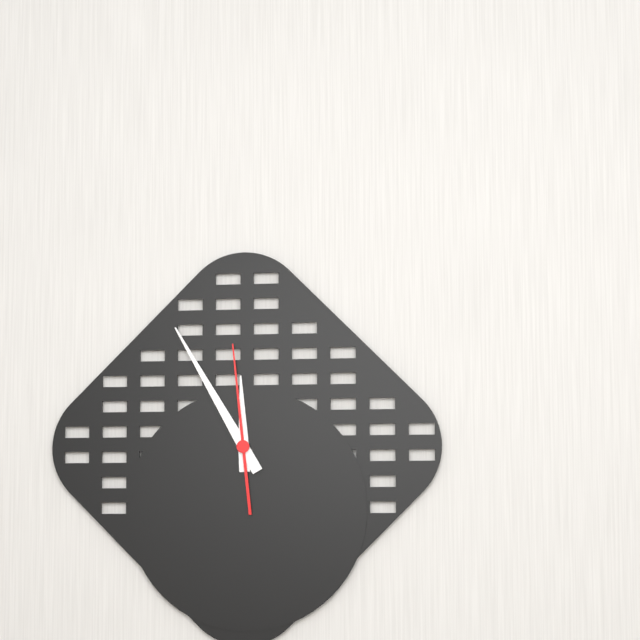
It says 11:55:59
